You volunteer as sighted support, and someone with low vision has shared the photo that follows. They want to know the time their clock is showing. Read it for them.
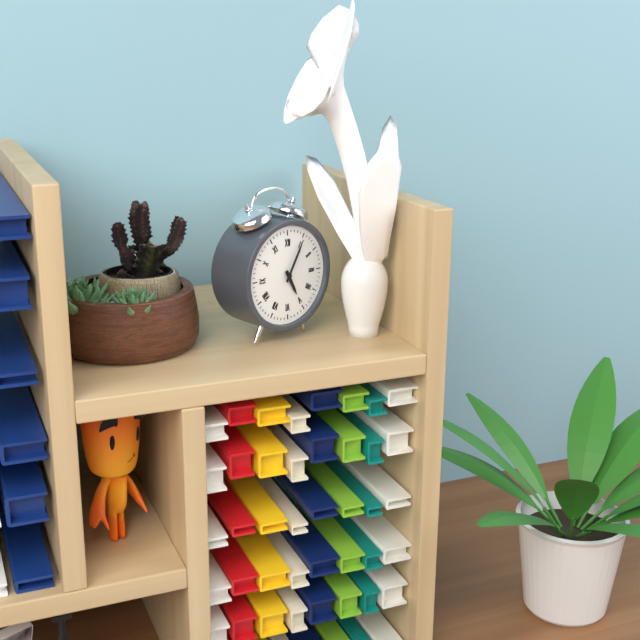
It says 5:05
